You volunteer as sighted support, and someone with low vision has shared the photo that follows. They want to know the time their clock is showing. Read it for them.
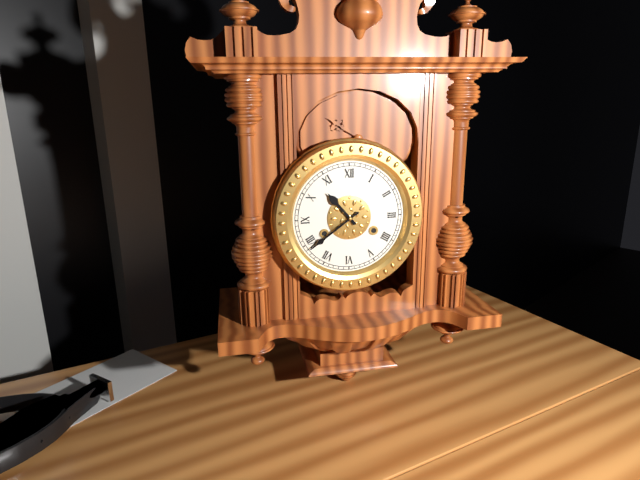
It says 10:39
